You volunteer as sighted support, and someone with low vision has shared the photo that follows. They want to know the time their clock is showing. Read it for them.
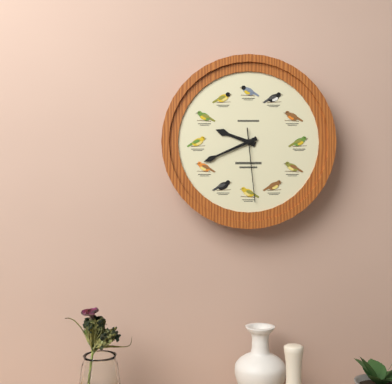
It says 9:41:29
